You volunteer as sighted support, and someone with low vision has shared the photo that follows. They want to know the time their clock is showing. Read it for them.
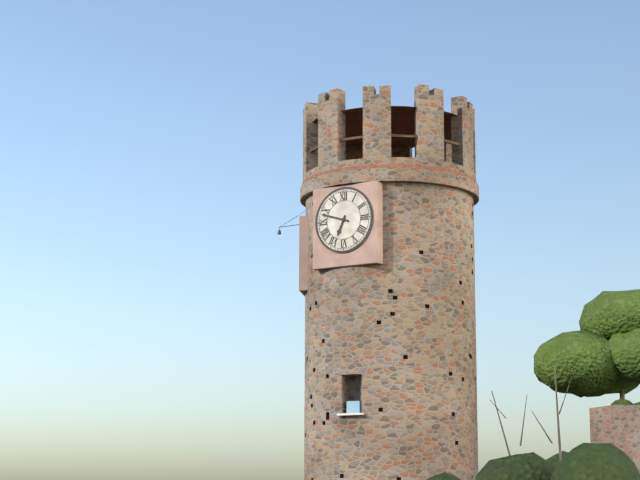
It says 6:48
